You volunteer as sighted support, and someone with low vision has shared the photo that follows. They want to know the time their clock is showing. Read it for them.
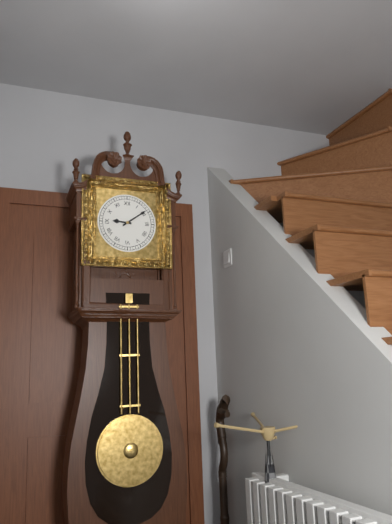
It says 9:09
